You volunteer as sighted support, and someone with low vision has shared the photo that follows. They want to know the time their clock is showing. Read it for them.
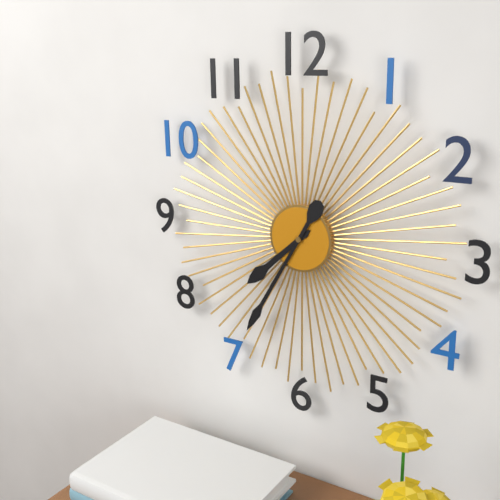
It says 7:35
